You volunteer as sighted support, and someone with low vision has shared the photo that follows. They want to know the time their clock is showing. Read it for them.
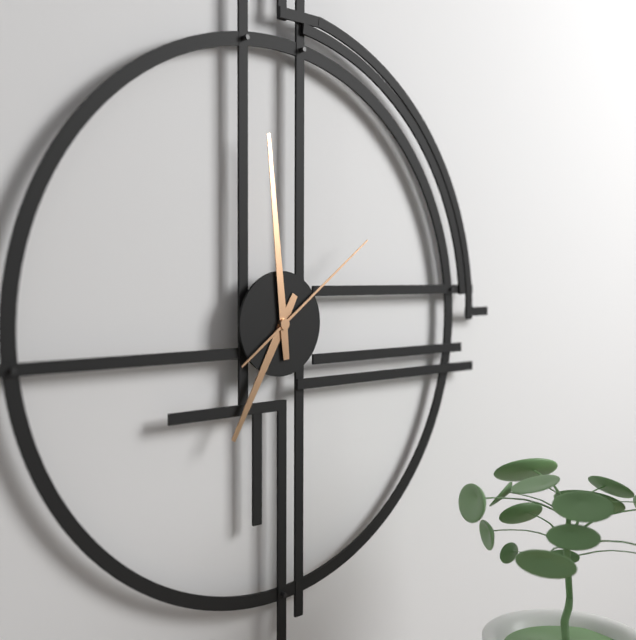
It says 6:59:09
